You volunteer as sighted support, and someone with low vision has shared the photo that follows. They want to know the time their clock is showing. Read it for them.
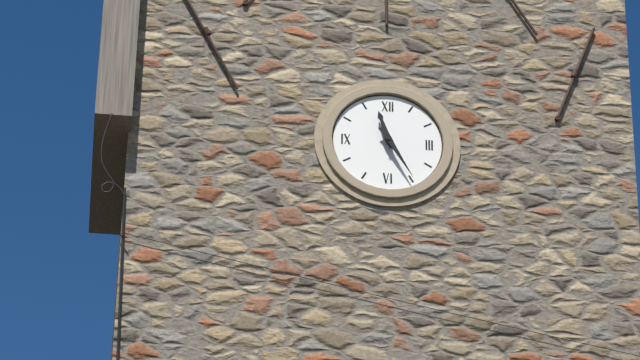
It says 11:25
